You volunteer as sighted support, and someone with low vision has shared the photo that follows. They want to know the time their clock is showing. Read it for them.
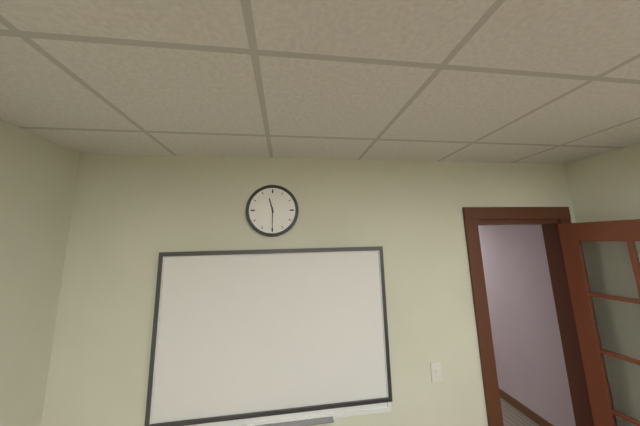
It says 11:30
